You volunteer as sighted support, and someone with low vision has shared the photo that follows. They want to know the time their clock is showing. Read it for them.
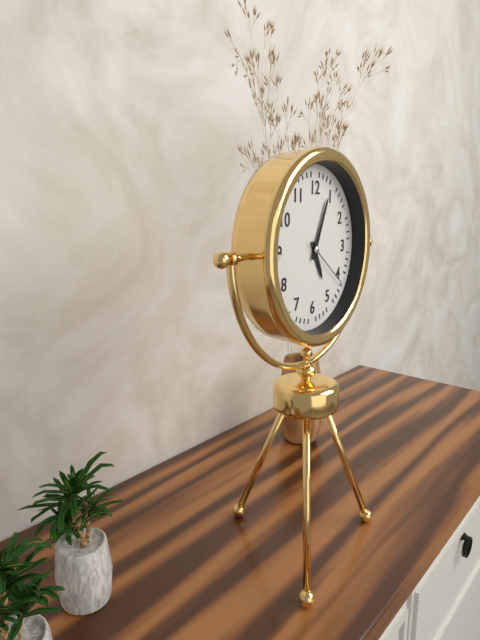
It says 5:04:21
